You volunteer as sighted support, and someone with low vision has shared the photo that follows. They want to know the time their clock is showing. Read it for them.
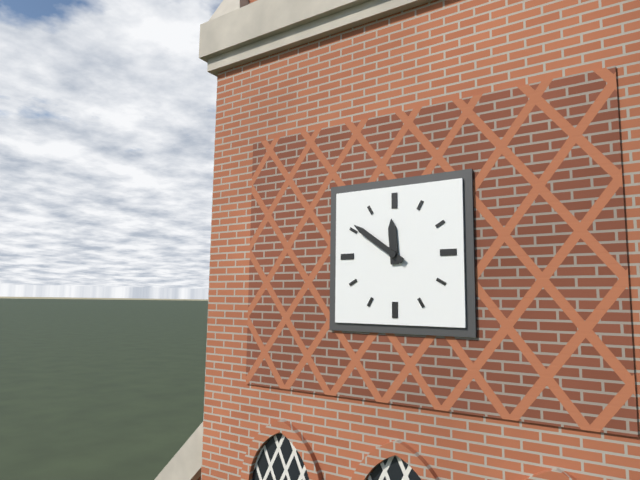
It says 11:51
